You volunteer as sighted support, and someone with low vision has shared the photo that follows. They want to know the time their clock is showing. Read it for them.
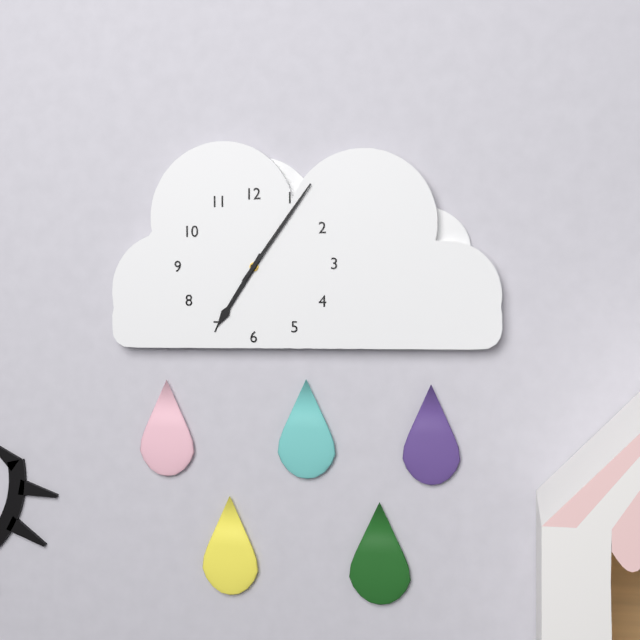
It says 7:06
